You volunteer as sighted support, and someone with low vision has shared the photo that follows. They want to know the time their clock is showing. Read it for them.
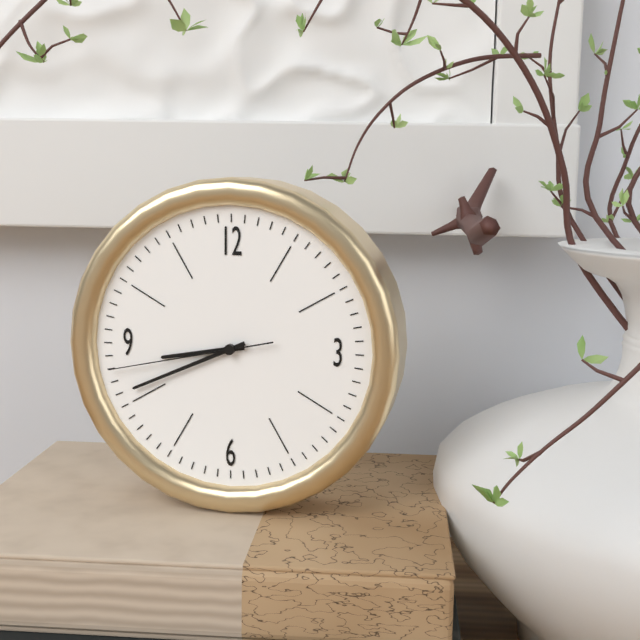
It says 8:41:43
